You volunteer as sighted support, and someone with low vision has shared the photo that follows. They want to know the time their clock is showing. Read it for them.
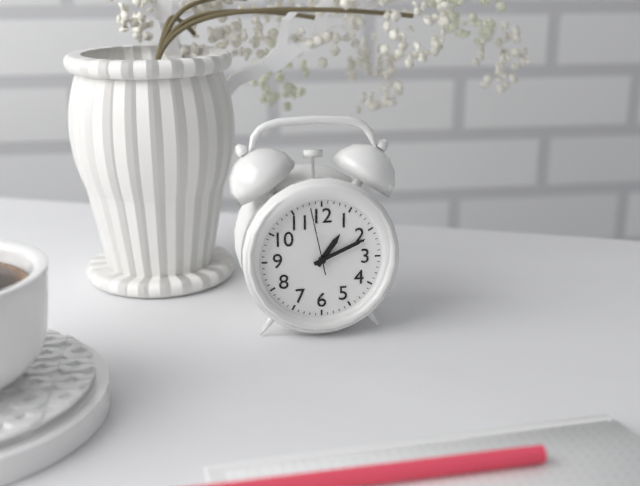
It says 1:11:58
